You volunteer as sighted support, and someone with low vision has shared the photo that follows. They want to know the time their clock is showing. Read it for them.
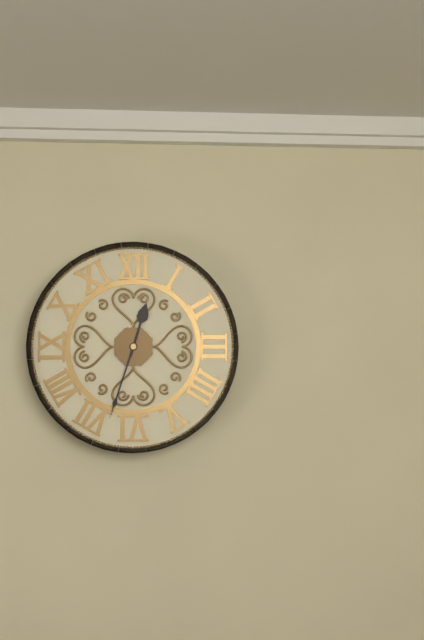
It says 12:33
